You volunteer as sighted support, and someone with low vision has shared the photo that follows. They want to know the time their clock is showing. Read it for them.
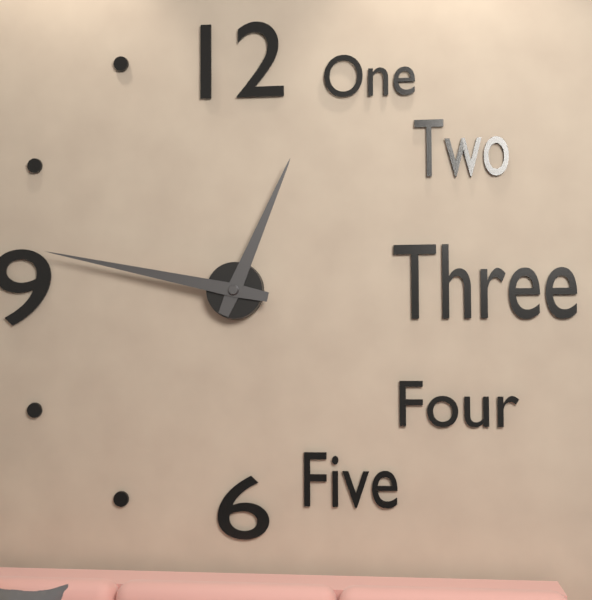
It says 12:47
